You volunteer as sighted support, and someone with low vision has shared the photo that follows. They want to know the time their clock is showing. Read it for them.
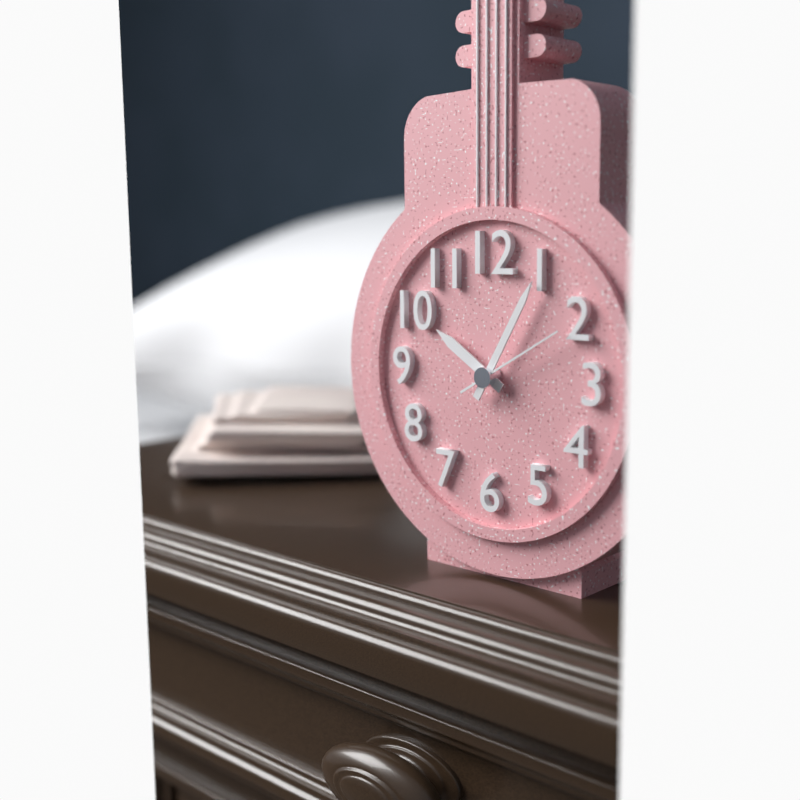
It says 10:05:10
